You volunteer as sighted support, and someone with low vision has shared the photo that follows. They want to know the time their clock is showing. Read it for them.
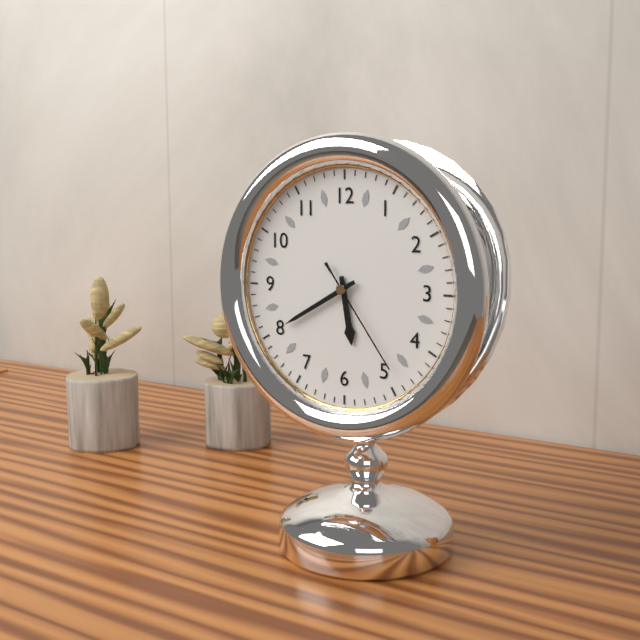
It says 5:40:24
